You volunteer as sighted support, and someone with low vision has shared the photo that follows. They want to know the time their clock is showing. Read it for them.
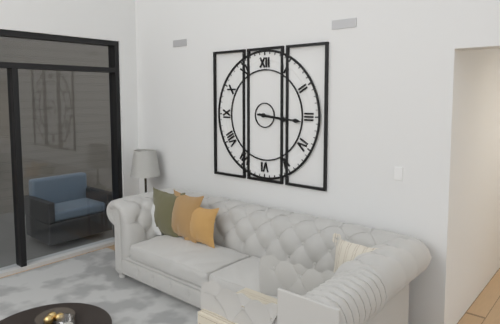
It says 3:16
